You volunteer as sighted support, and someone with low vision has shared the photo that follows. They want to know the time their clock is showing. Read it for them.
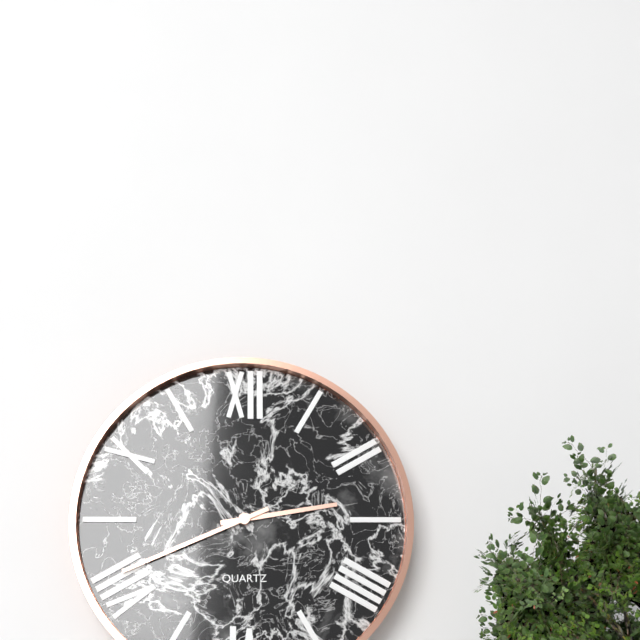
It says 2:41
